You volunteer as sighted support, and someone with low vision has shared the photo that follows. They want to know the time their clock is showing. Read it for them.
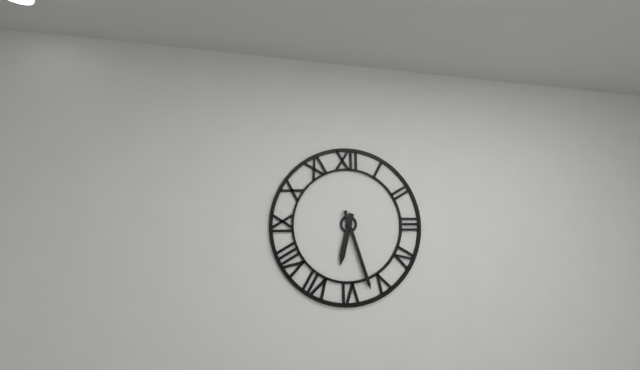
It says 6:27
